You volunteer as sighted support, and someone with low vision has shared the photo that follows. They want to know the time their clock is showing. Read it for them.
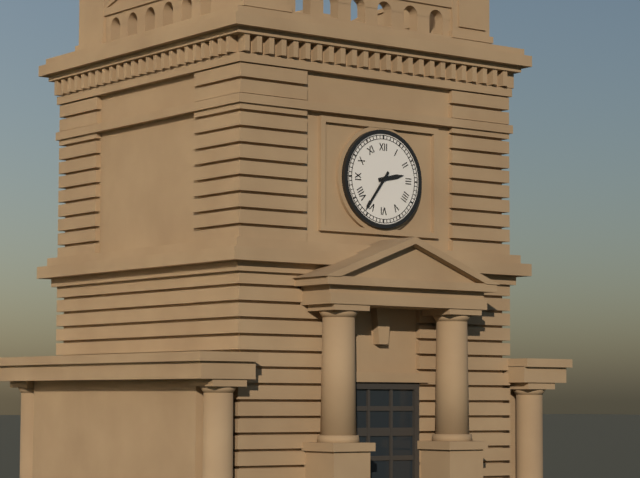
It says 2:36
